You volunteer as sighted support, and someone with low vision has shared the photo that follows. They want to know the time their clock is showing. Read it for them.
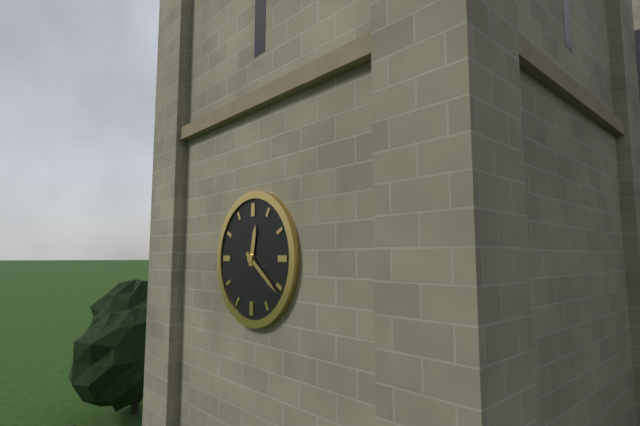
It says 12:21
